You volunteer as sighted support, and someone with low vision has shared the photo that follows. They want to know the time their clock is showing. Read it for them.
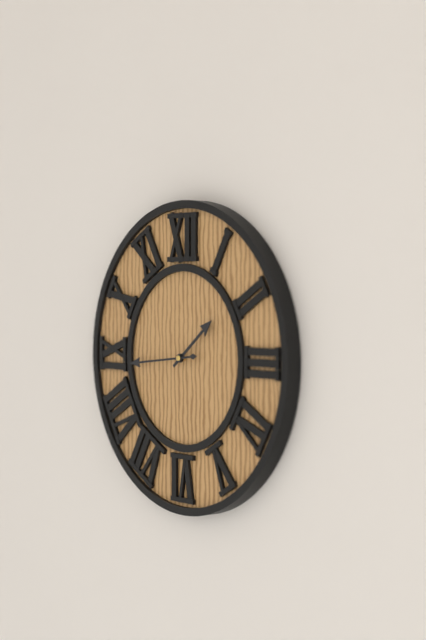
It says 1:44
